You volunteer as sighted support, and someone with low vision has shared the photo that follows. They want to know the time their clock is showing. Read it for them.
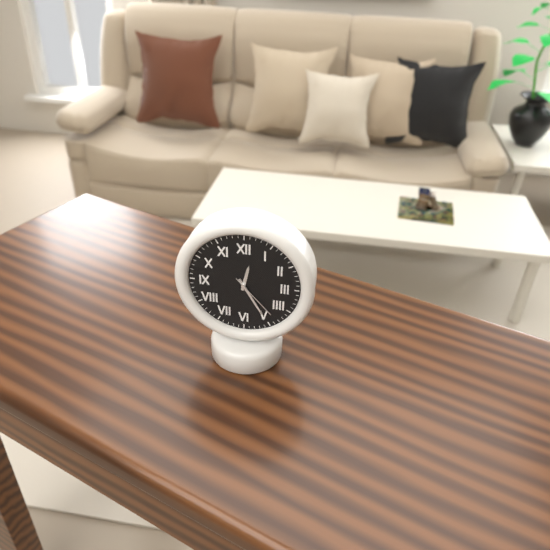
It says 12:25:23
